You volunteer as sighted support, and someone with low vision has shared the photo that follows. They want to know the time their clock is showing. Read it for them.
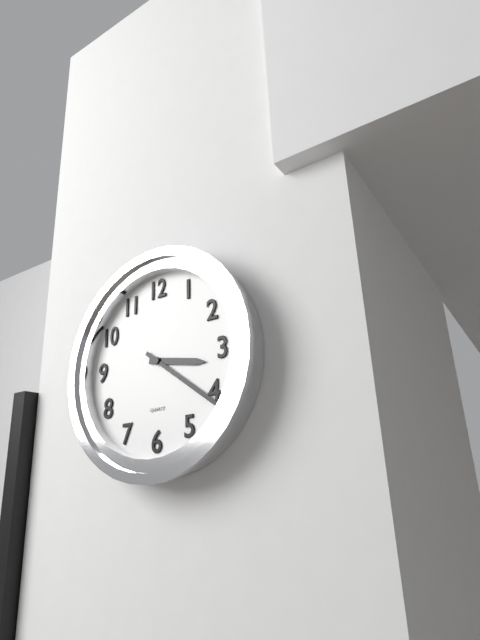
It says 3:21
